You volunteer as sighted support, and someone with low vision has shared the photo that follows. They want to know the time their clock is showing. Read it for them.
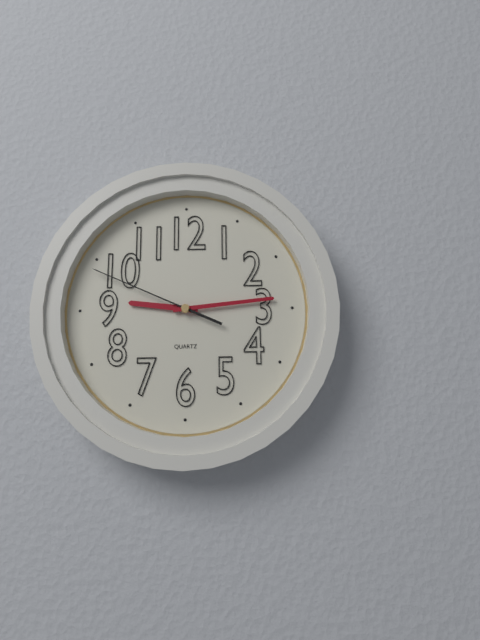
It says 9:14:49
